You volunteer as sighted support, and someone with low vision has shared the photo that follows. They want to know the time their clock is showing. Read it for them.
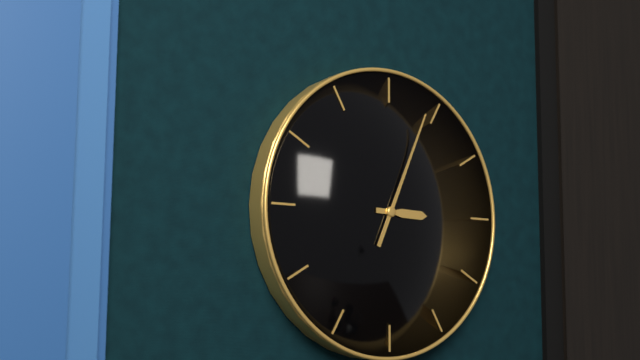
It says 3:04
